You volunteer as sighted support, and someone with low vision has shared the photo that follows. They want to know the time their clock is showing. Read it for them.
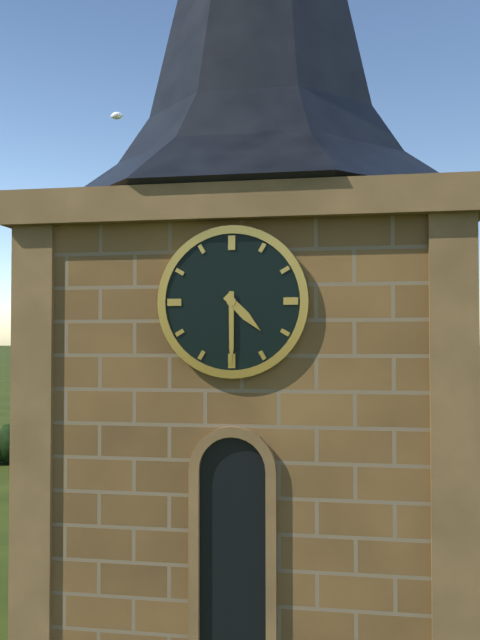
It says 4:30
